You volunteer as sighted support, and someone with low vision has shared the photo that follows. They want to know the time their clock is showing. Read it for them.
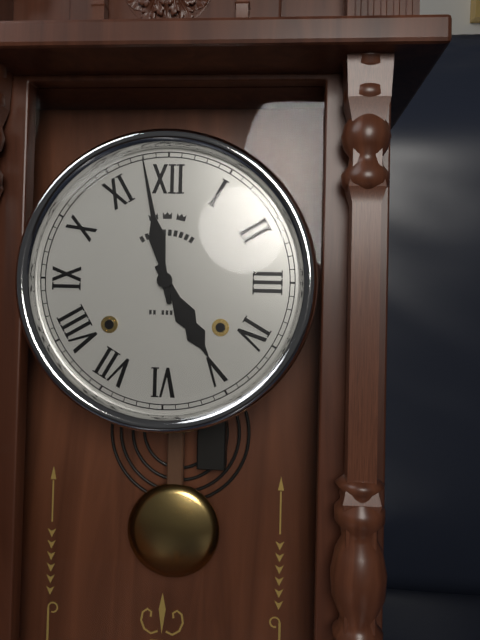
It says 4:58
